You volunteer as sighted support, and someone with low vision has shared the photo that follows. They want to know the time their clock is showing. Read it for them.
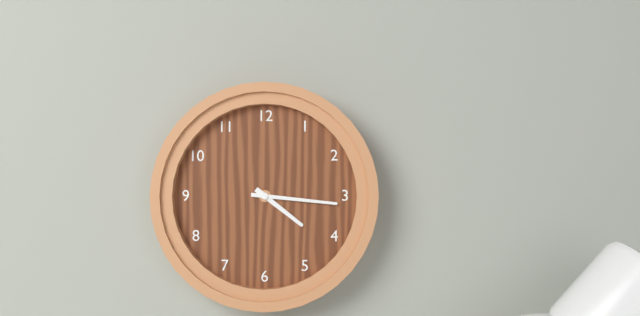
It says 4:16
